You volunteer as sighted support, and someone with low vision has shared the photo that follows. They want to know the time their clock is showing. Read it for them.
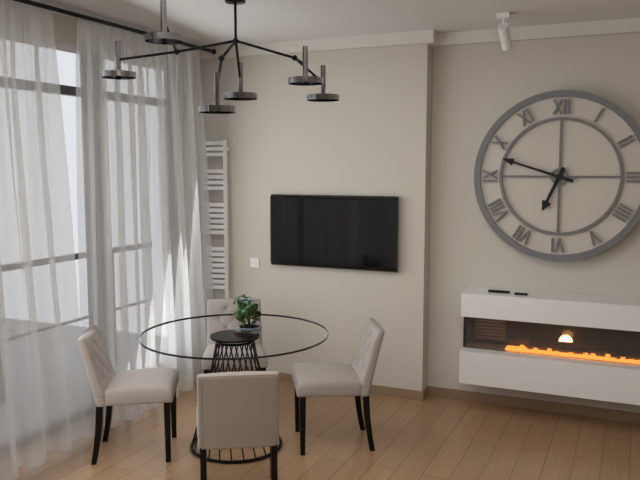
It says 6:48
